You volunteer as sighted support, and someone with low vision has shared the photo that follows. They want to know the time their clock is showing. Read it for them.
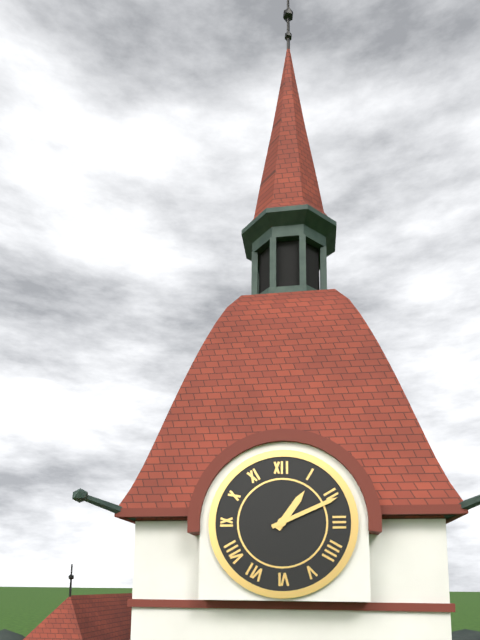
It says 1:11
